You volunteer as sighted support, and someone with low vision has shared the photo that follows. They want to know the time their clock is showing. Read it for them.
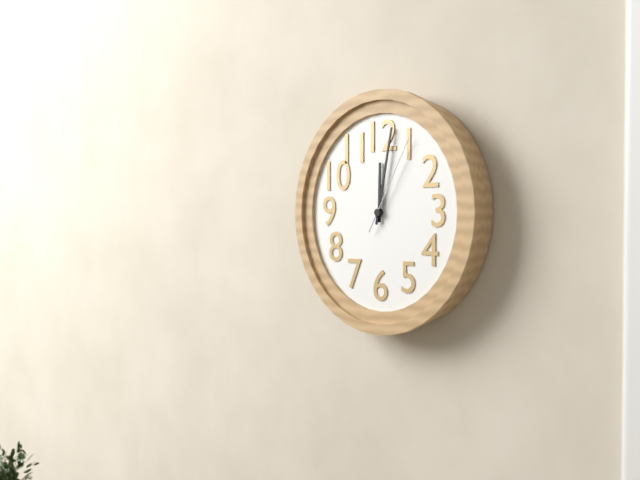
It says 12:02:05
